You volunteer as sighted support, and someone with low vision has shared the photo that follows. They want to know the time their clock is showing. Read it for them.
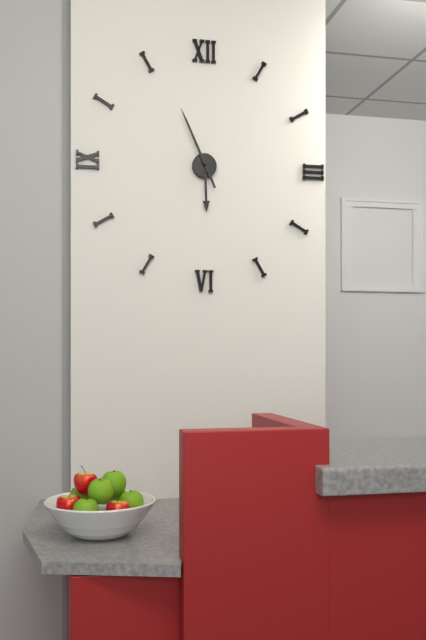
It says 5:56
